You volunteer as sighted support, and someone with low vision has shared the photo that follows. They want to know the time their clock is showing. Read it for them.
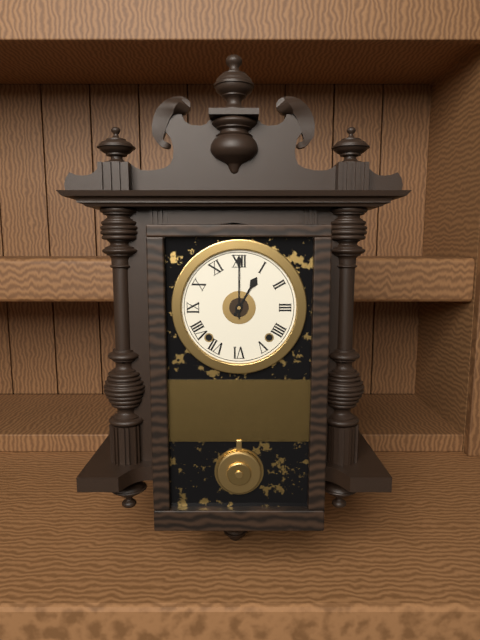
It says 1:00
